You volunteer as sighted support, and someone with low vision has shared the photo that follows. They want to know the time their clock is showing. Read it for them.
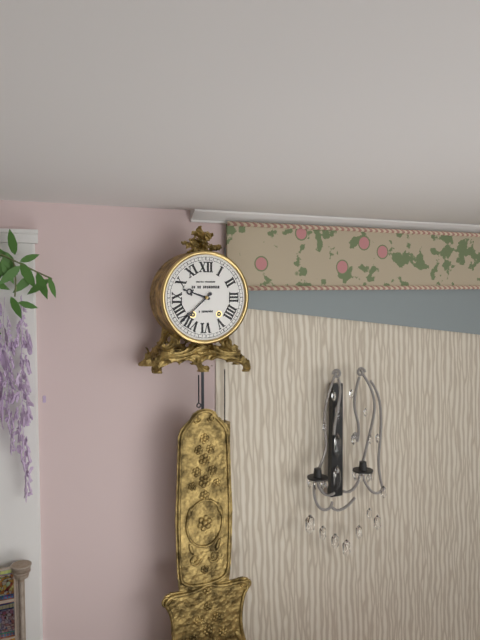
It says 9:38
